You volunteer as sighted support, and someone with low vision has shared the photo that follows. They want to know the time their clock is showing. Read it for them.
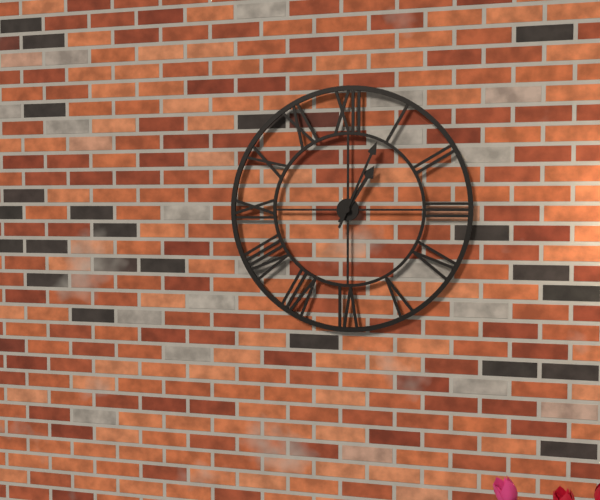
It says 1:04
